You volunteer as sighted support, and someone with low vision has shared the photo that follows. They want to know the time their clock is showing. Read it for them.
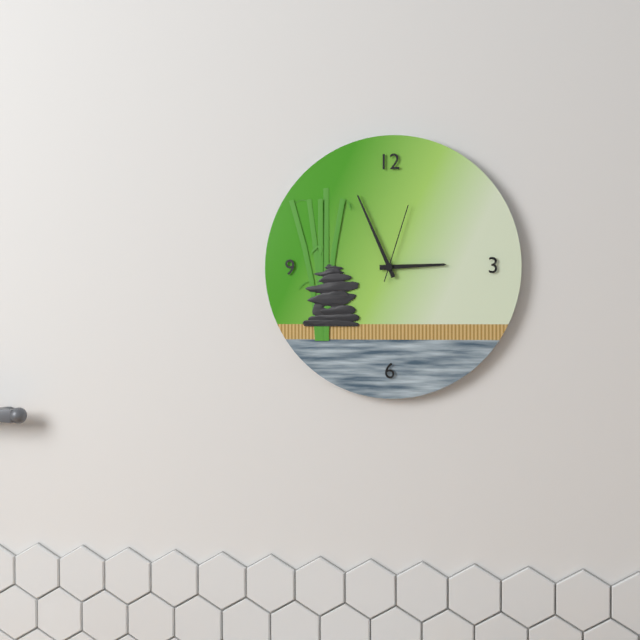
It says 2:56:03
